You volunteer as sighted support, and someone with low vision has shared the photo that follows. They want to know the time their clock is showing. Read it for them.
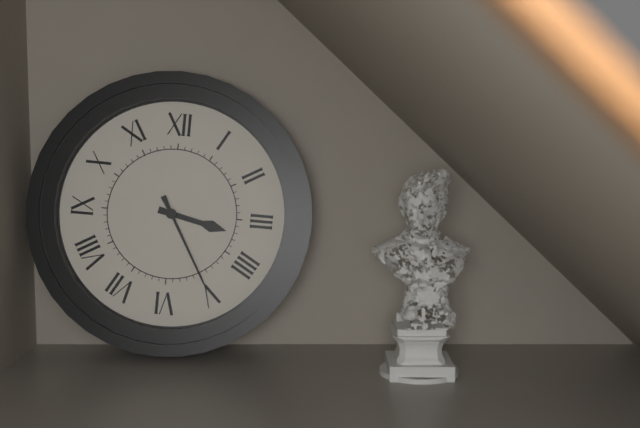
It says 3:25
